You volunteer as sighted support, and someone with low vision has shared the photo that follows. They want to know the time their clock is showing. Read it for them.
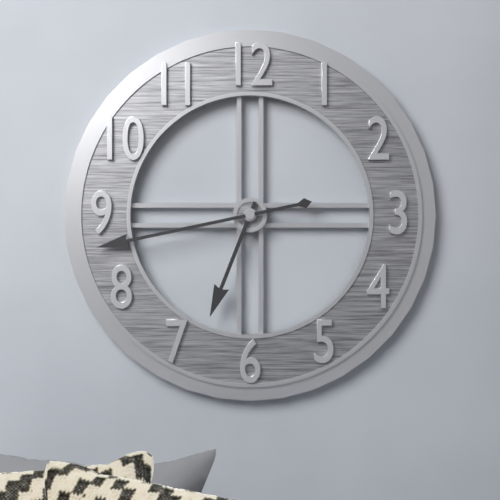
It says 6:43
